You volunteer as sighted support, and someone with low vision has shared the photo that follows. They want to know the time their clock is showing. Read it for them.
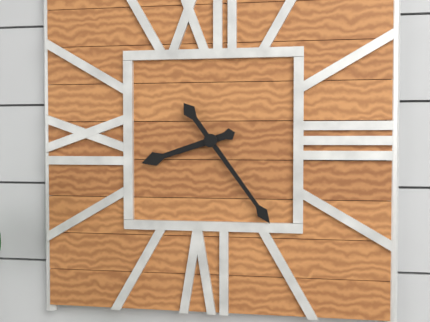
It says 8:24
